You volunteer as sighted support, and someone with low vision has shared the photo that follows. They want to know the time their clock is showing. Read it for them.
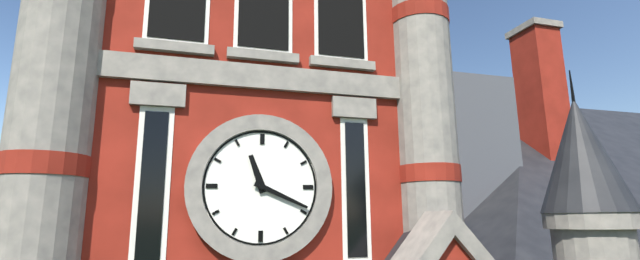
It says 11:19
